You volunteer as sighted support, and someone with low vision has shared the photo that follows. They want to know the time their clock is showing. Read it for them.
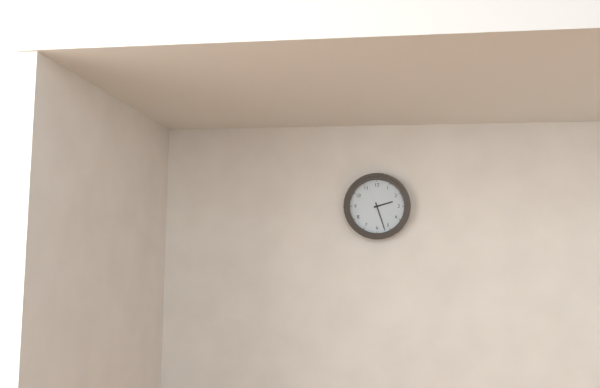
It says 2:27
